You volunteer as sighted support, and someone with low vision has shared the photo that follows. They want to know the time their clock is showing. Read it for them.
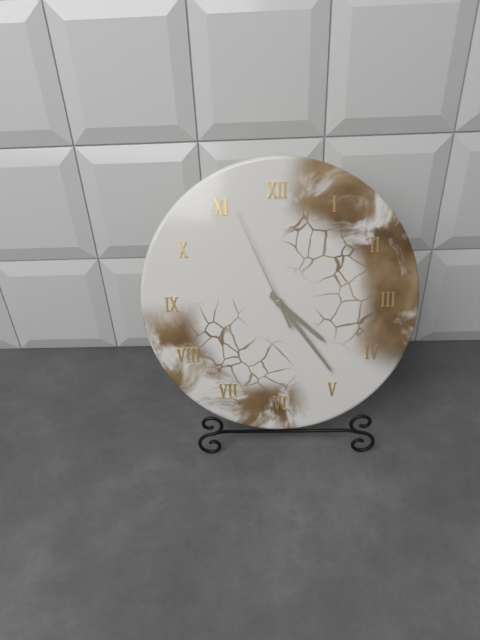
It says 4:24:56
